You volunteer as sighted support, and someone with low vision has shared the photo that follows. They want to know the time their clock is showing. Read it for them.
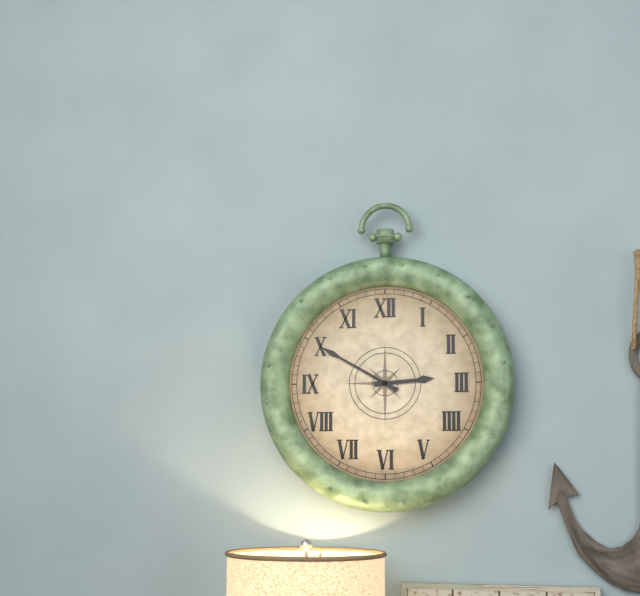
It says 2:50
